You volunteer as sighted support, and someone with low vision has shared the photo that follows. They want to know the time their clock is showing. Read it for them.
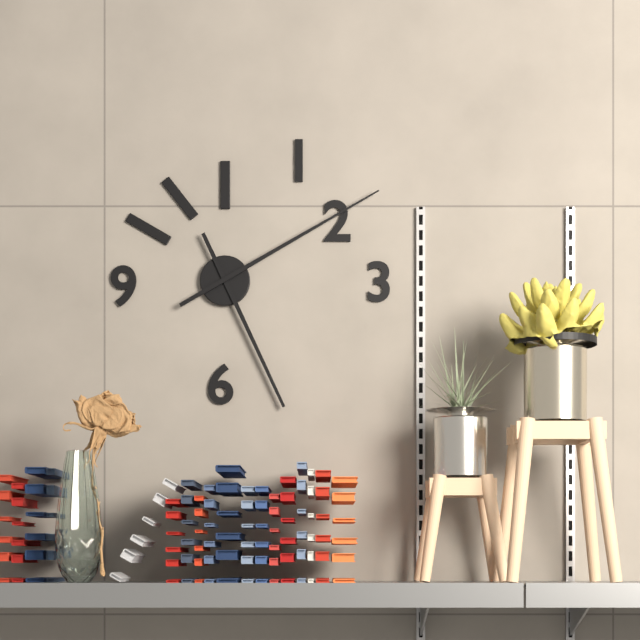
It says 5:10
